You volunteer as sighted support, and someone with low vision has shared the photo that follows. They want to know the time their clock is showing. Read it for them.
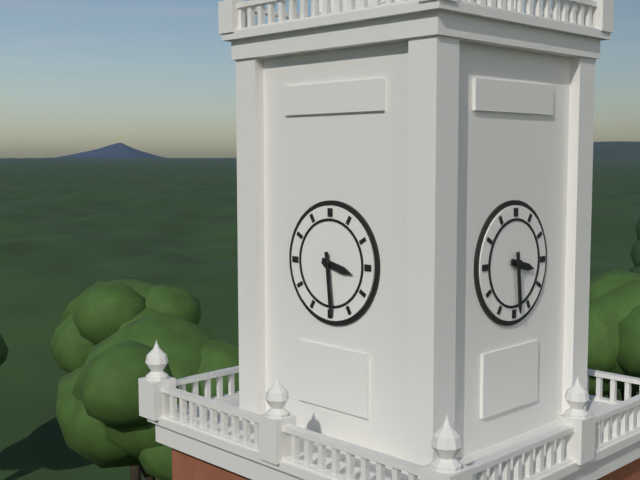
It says 3:29
